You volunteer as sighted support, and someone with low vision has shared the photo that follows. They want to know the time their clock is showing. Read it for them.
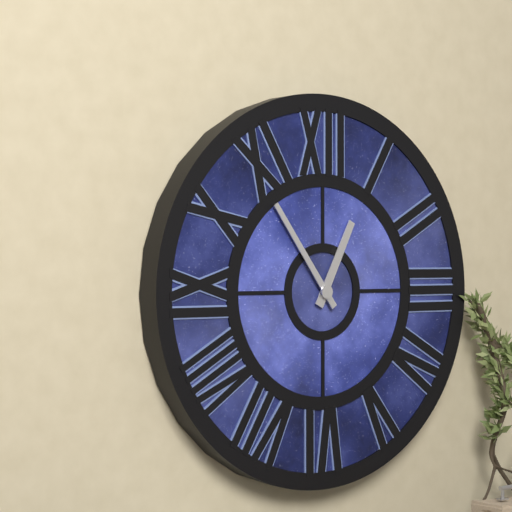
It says 12:54
